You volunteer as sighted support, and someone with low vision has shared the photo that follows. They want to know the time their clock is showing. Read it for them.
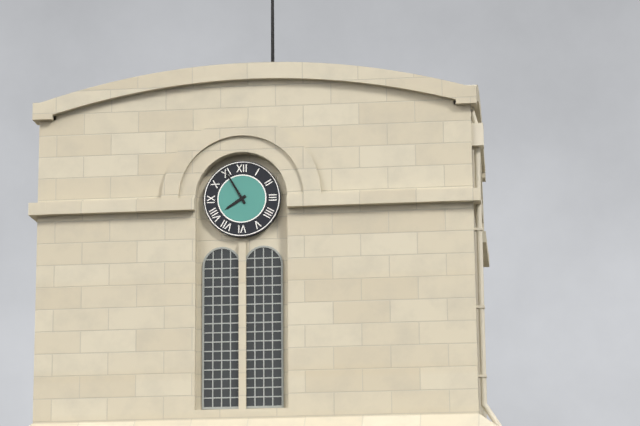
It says 7:55
